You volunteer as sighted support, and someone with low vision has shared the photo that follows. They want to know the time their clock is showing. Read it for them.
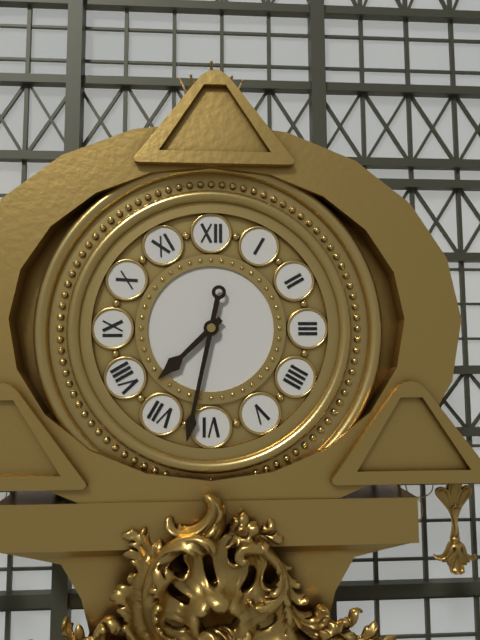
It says 7:32
